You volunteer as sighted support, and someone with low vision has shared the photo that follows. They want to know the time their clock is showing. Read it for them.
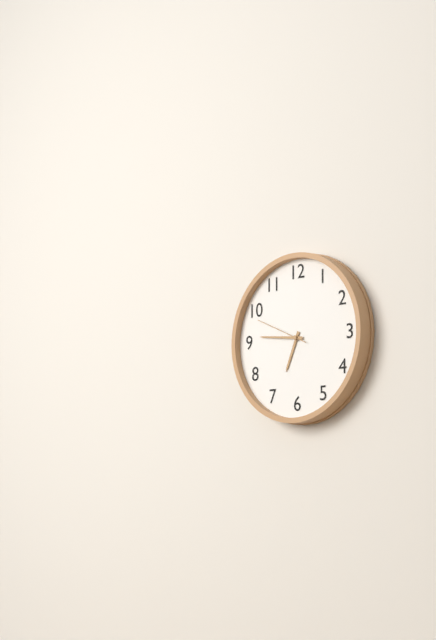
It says 6:46:49
